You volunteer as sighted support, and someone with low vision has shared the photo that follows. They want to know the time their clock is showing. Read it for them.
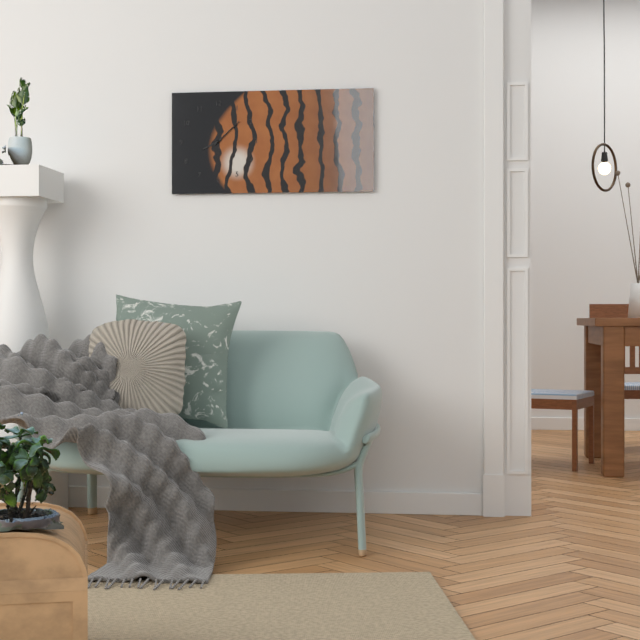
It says 8:08
